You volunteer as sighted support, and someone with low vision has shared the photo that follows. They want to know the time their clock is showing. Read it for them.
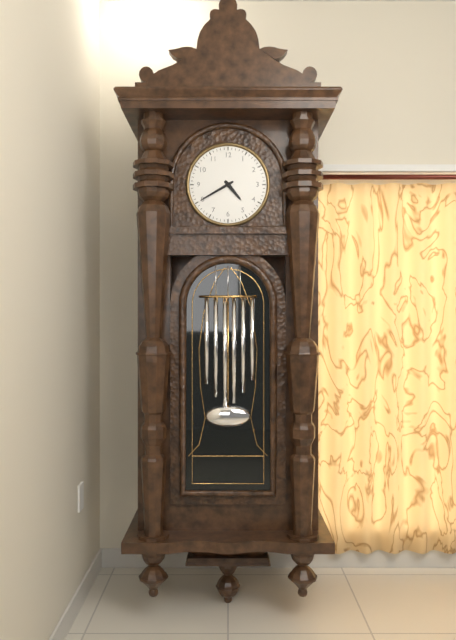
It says 4:40
